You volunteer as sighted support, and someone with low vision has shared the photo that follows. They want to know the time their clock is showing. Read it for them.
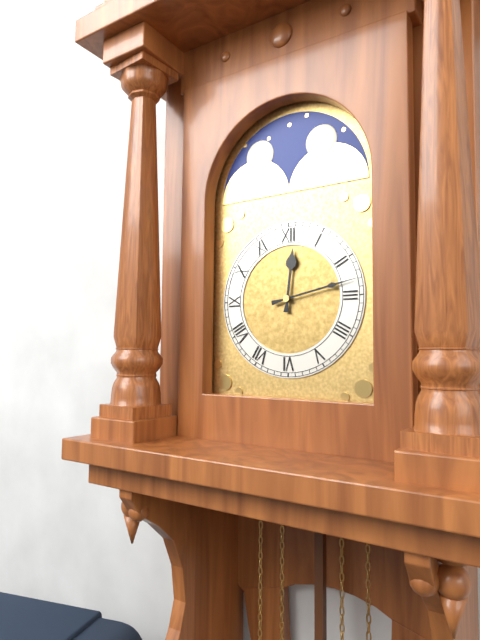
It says 12:13
